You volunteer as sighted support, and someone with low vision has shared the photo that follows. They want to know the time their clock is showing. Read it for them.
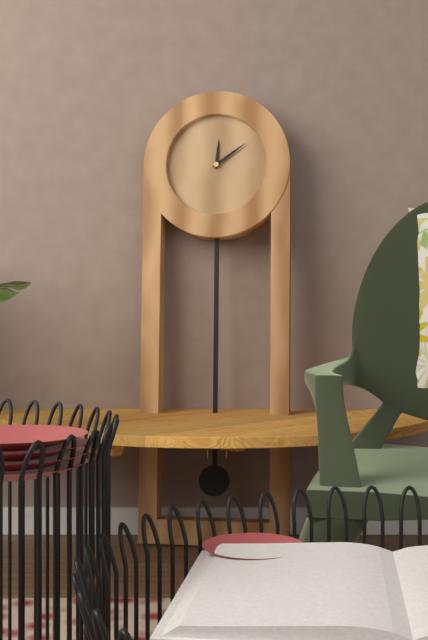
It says 12:09
